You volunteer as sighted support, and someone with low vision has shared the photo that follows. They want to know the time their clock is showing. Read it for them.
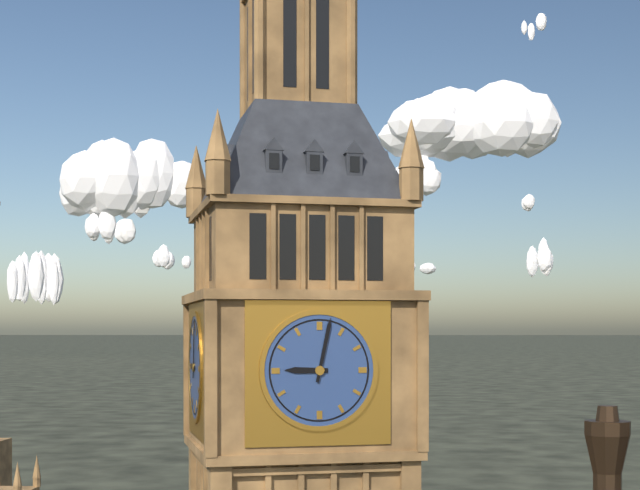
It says 9:02
